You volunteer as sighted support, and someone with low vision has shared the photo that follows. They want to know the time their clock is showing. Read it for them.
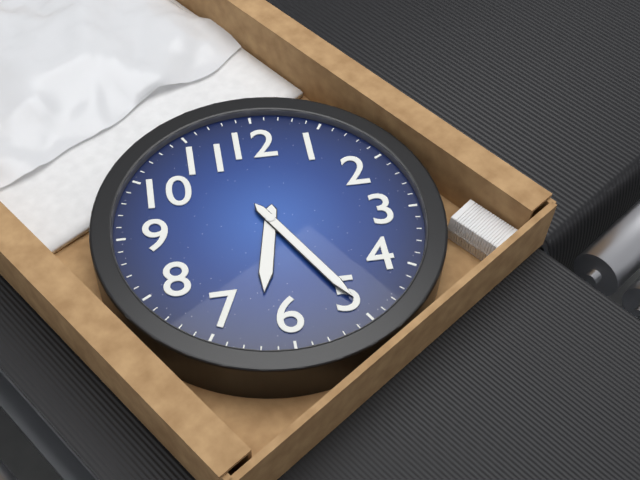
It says 6:25
